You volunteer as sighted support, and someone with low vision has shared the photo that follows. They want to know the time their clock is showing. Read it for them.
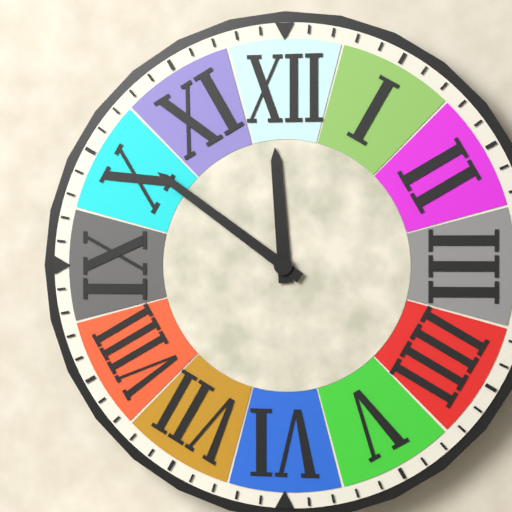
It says 11:51
